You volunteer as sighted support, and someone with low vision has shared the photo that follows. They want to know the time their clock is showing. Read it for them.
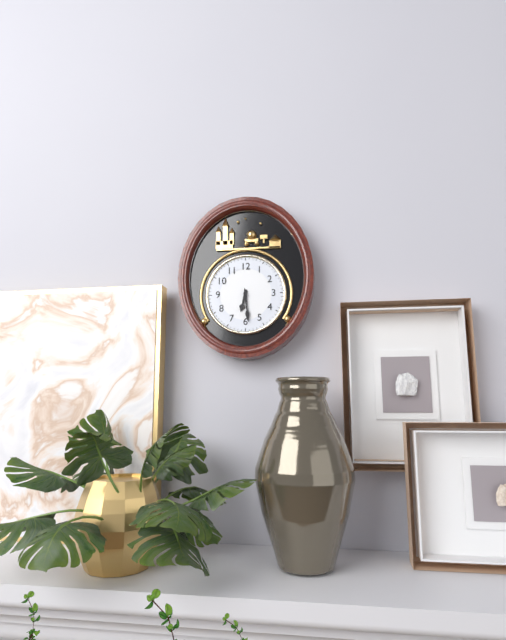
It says 6:29
